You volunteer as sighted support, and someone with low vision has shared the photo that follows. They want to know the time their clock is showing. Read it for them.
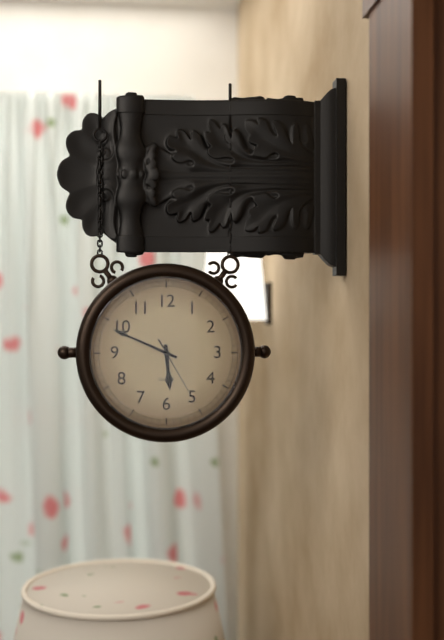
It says 5:49:25
